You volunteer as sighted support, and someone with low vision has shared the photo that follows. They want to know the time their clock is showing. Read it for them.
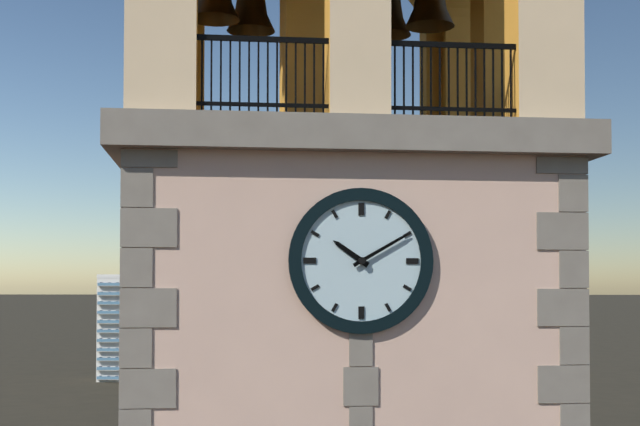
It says 10:10
